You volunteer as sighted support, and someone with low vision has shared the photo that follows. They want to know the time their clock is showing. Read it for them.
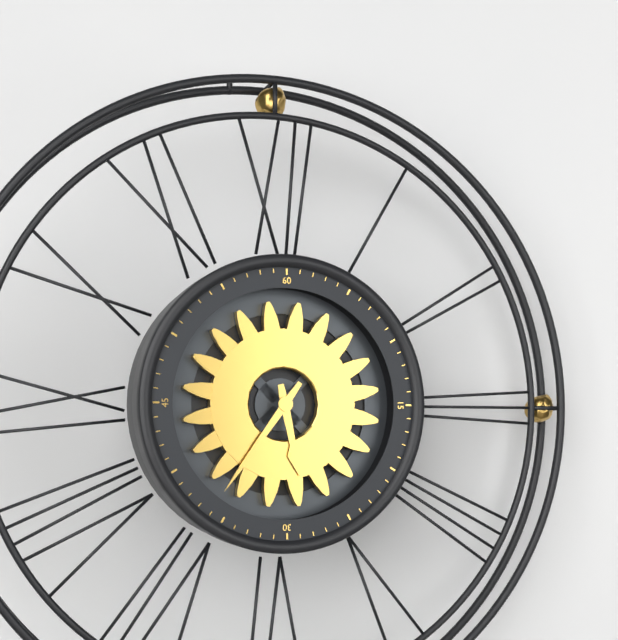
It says 5:36
